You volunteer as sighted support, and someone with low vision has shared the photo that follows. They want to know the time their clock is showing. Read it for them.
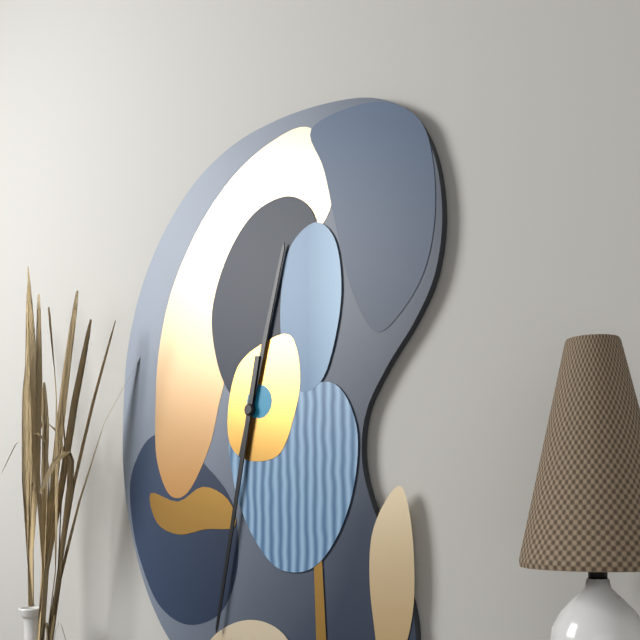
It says 12:32
